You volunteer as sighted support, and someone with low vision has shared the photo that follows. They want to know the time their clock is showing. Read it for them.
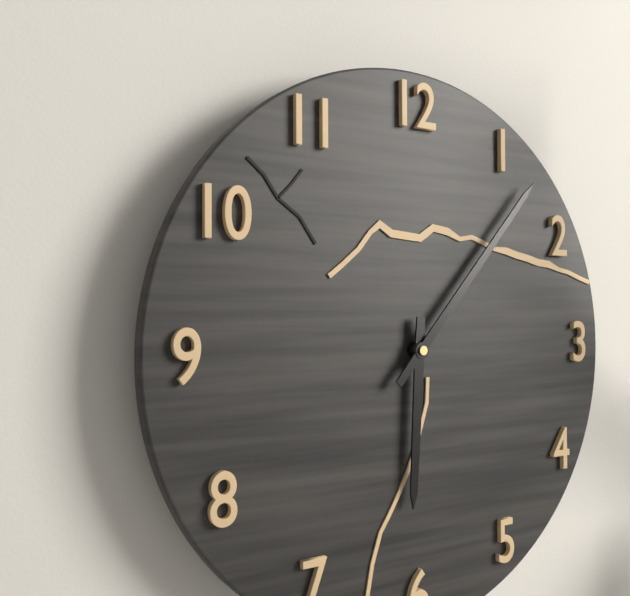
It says 6:07
